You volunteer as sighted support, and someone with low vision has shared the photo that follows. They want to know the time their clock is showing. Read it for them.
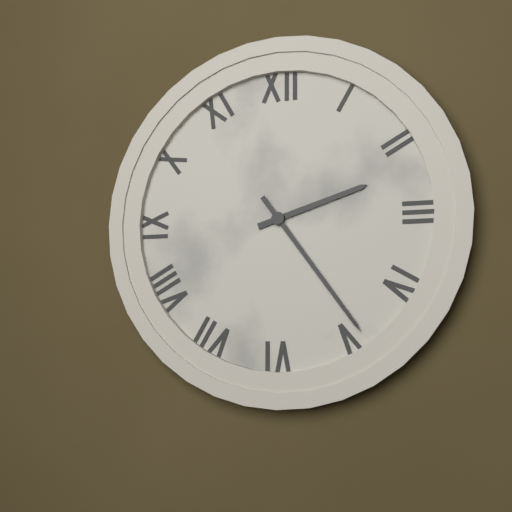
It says 2:24
